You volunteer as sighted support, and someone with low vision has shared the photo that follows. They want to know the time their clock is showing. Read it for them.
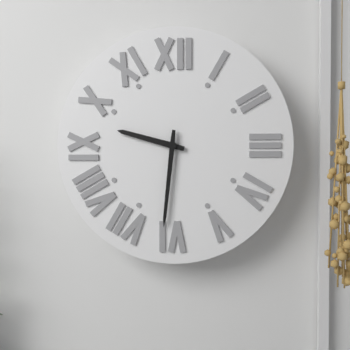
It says 9:31
